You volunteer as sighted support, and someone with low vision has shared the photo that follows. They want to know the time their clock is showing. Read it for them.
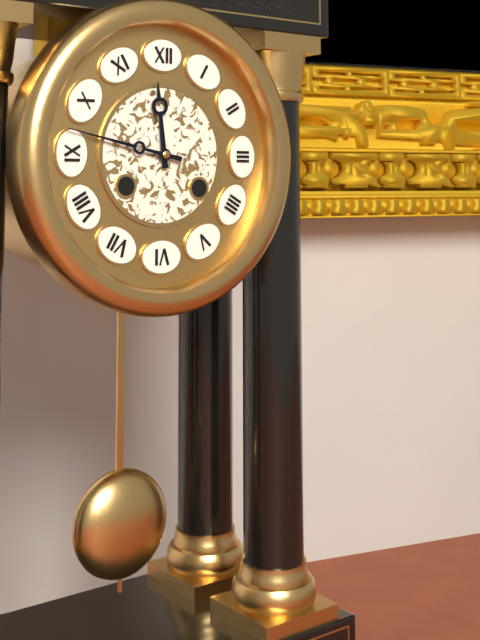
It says 11:47
